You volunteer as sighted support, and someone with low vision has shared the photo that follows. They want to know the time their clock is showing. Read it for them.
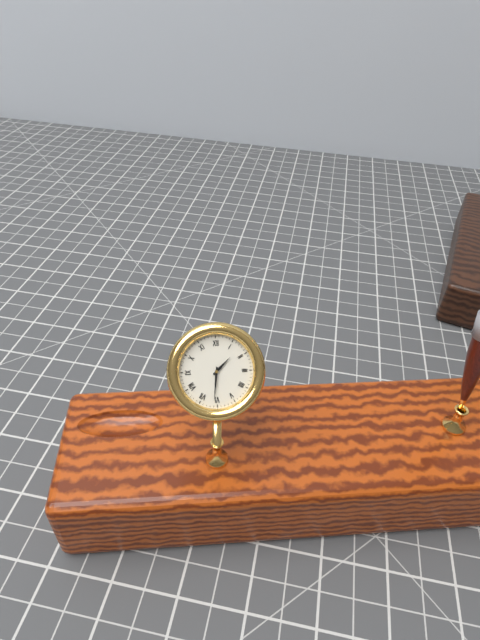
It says 1:31
